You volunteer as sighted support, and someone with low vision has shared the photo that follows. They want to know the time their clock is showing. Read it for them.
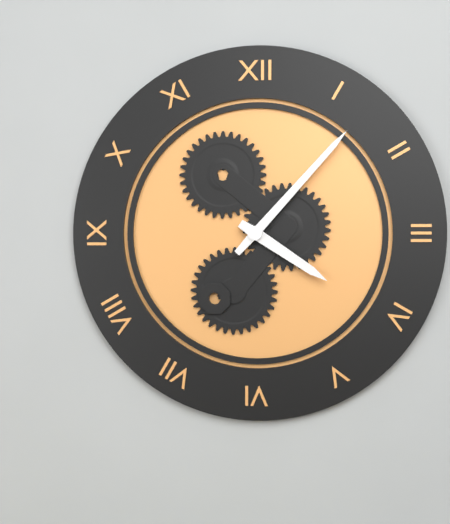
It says 4:07
